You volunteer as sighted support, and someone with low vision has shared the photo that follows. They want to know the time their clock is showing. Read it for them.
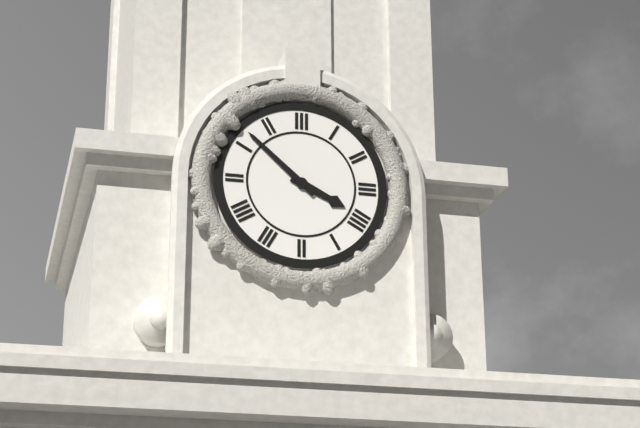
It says 3:52
